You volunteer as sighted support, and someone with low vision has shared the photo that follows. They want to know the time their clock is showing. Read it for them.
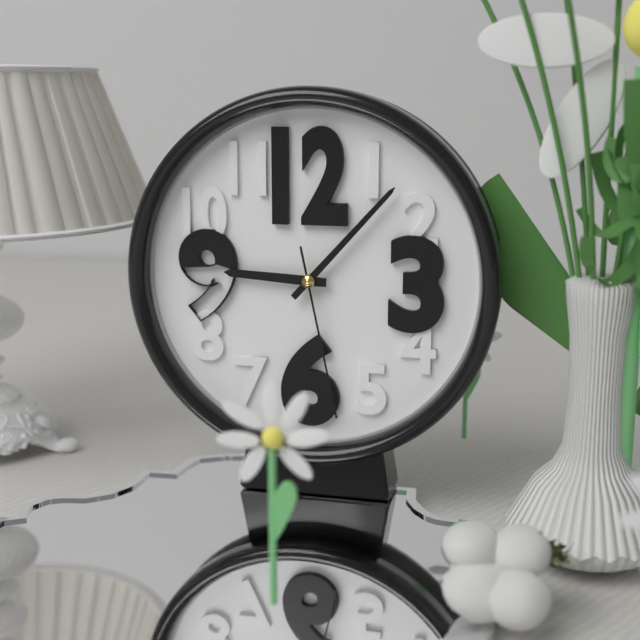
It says 9:07:28
